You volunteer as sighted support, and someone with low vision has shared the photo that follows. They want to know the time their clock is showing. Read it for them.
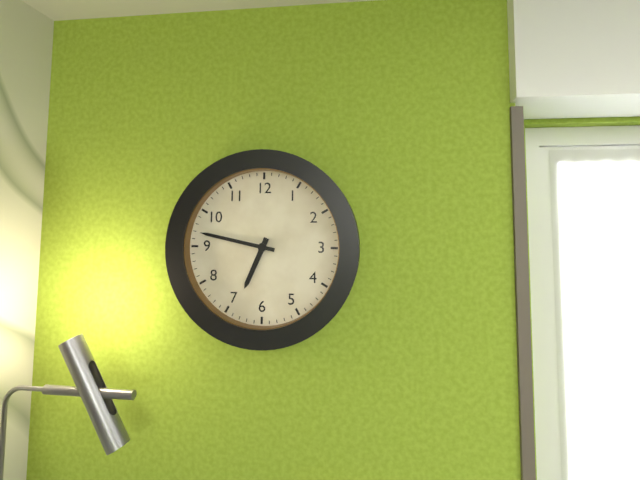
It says 6:47
